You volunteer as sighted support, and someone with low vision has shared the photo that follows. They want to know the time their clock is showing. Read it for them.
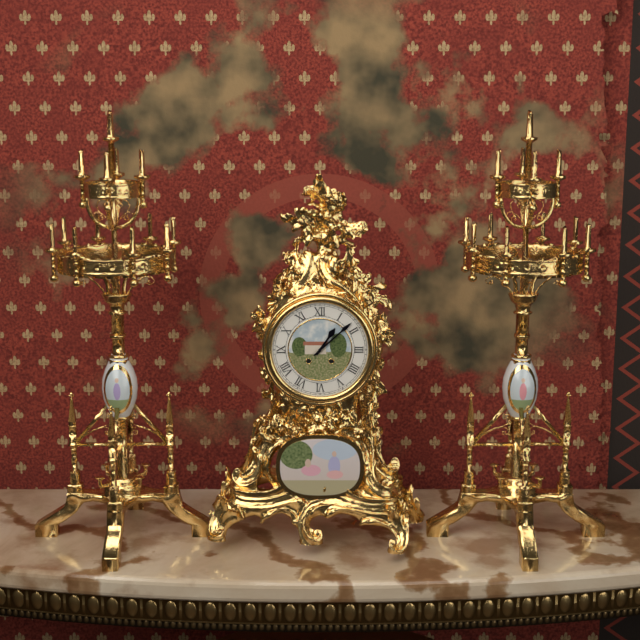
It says 1:08
